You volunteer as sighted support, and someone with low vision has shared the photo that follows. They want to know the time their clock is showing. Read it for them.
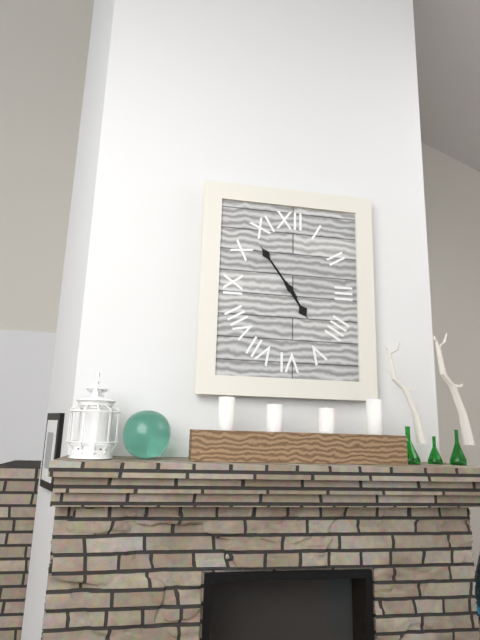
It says 4:54
